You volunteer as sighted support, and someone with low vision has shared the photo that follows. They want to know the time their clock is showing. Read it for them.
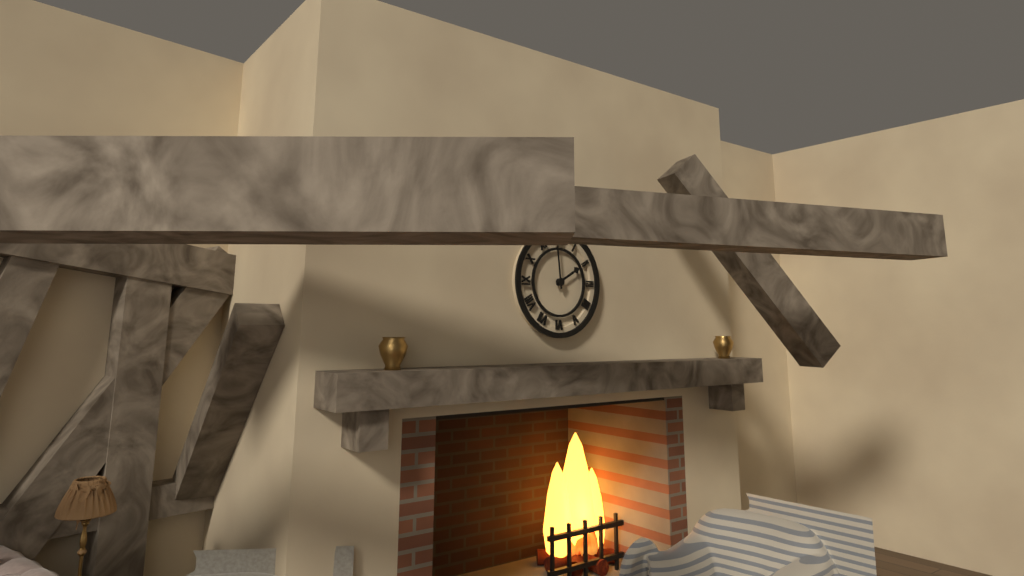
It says 1:59
